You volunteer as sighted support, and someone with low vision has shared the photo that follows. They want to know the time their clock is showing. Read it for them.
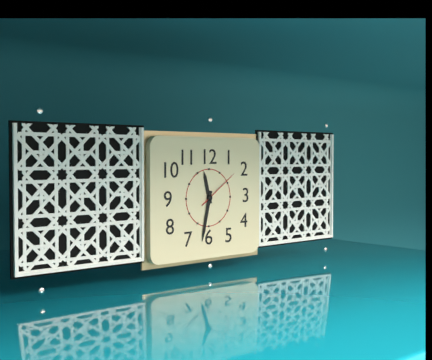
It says 11:32
